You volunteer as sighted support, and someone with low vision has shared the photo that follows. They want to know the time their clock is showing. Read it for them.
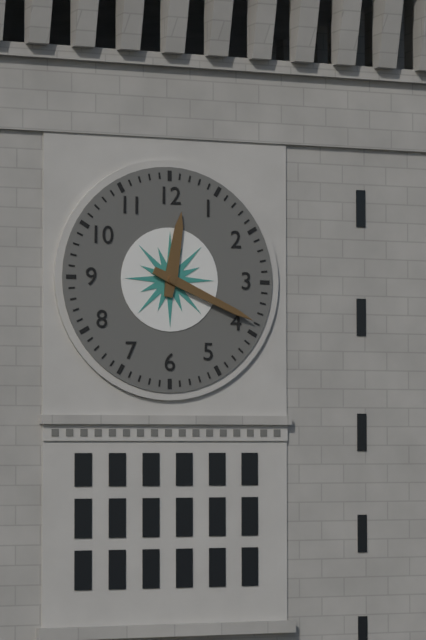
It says 12:19
